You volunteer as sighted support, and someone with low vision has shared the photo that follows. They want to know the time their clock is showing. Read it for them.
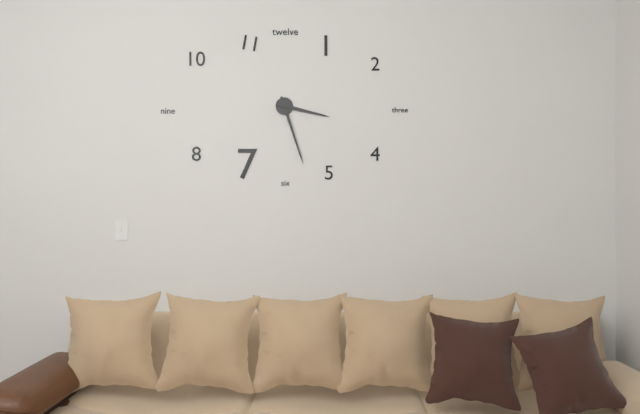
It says 3:27
